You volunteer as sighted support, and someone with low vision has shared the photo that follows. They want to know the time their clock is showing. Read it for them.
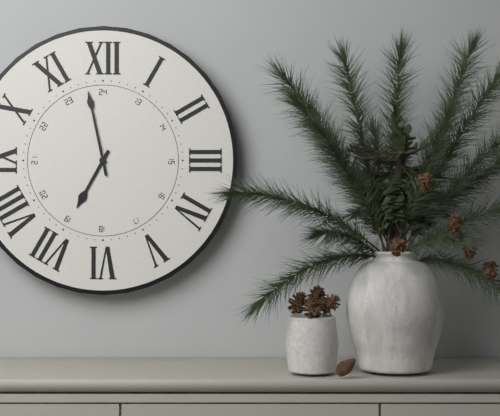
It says 6:58
